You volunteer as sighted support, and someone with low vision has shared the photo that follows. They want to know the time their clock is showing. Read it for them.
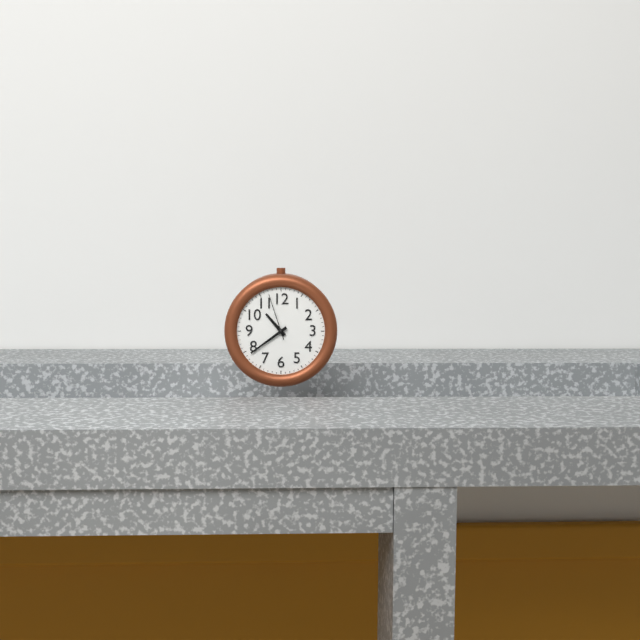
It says 10:39
